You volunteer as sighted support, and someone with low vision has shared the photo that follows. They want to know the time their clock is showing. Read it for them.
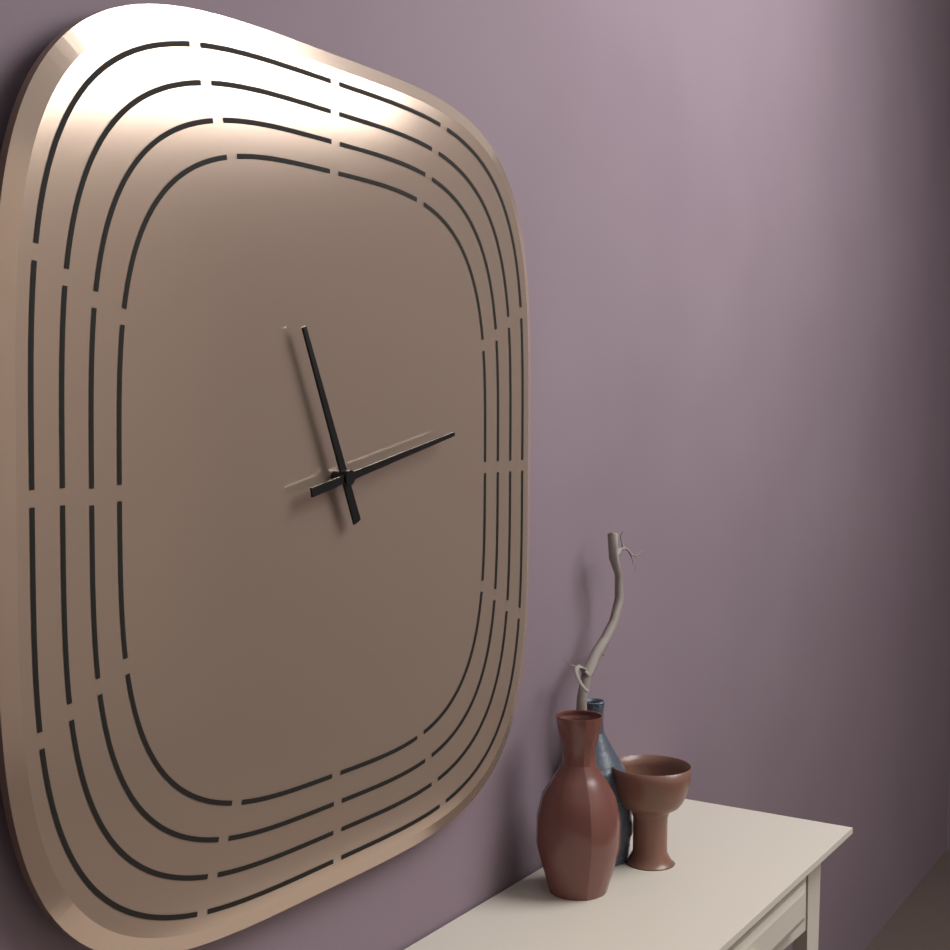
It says 11:13
